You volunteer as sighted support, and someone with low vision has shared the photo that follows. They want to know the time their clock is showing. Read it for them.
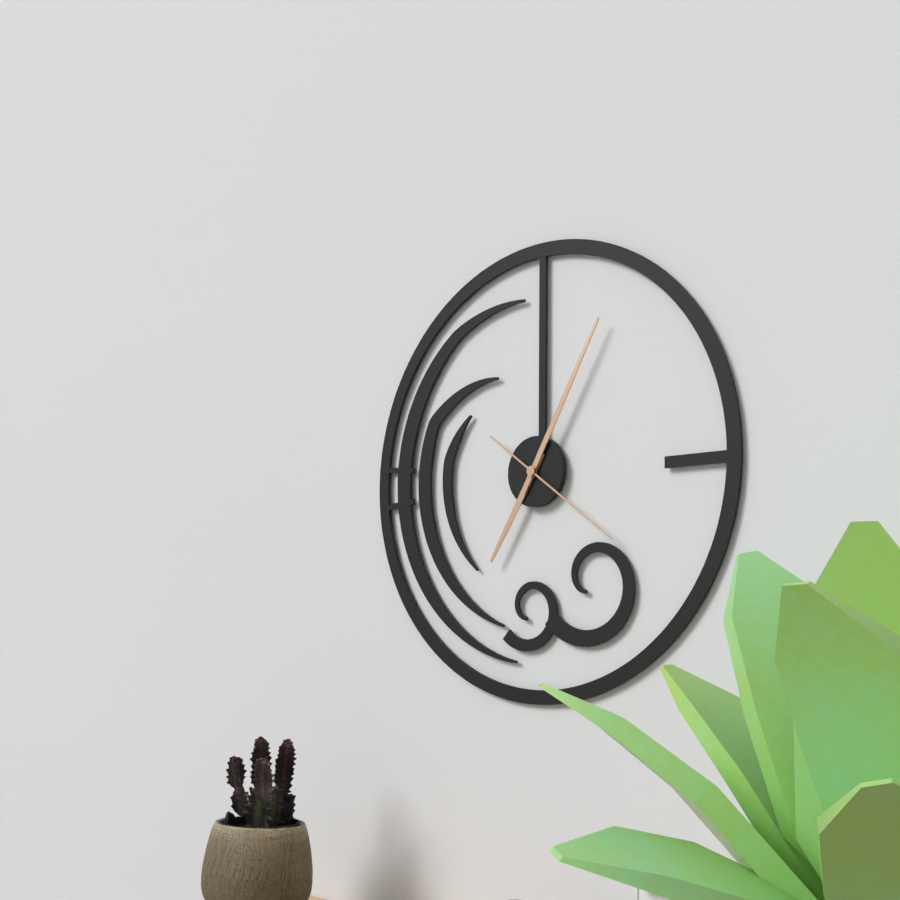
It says 7:05:21
